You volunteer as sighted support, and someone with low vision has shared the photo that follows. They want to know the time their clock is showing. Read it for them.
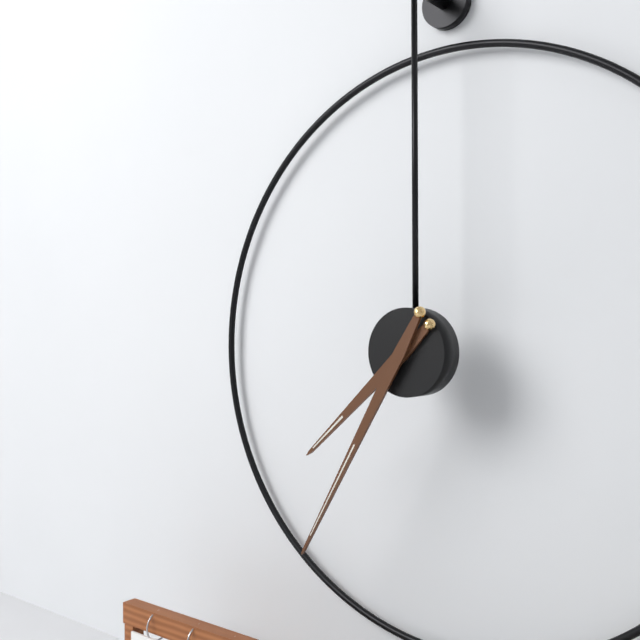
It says 7:35
